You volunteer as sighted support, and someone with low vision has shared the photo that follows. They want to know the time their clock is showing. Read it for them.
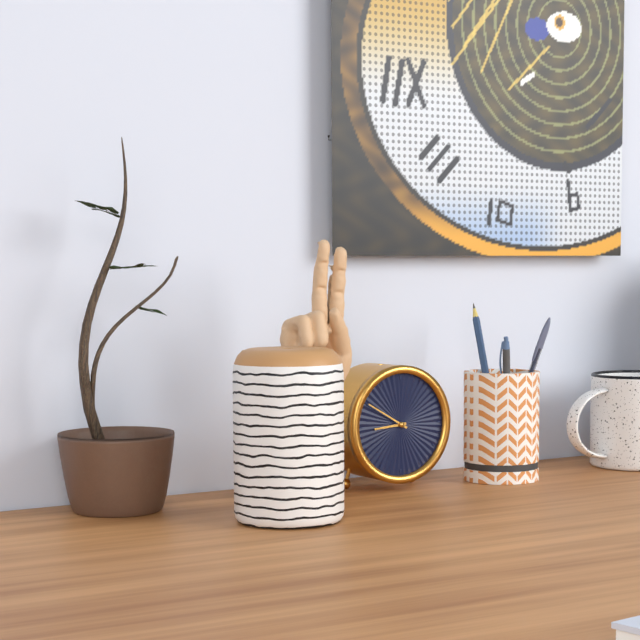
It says 8:50
